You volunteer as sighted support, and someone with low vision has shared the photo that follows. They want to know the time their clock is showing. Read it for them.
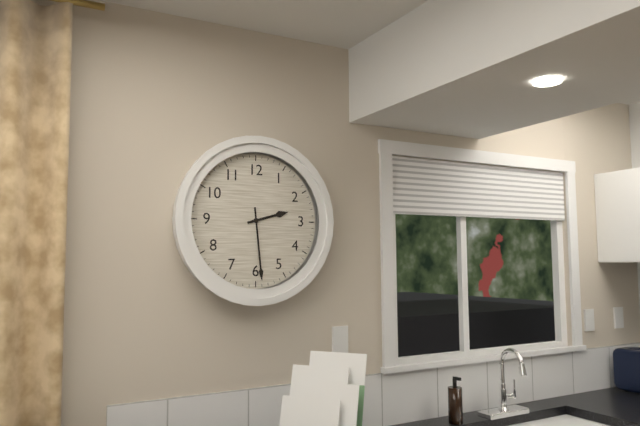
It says 2:29
